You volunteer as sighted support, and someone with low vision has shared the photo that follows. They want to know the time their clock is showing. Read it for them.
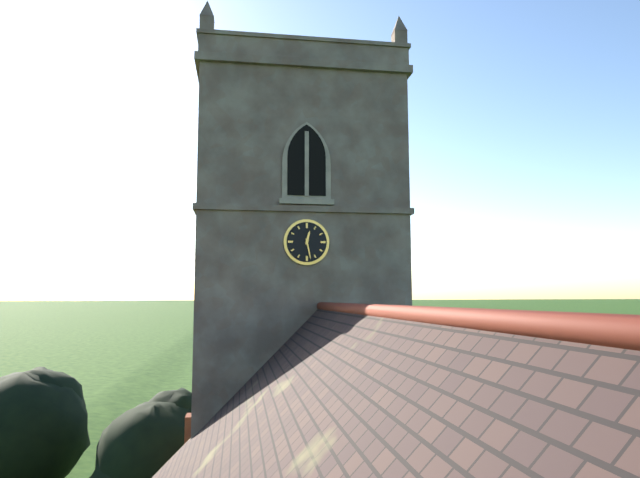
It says 12:28
